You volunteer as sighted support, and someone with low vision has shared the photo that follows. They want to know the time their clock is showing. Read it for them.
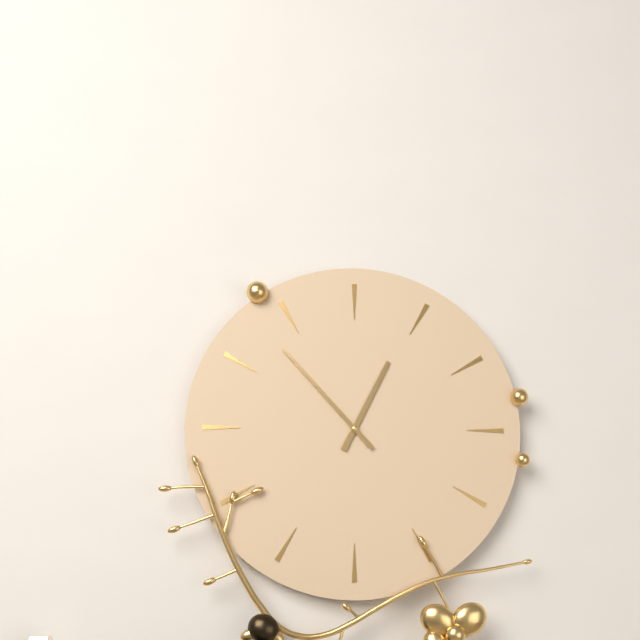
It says 12:53
